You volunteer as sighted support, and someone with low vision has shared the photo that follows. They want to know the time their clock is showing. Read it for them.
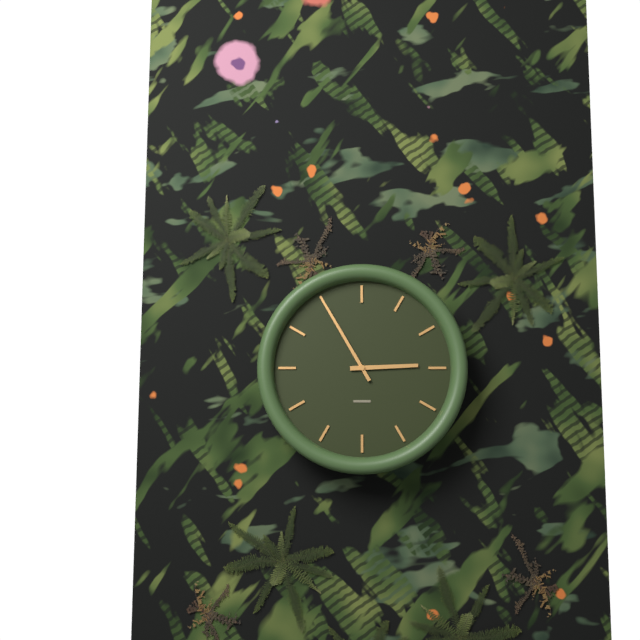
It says 2:55
